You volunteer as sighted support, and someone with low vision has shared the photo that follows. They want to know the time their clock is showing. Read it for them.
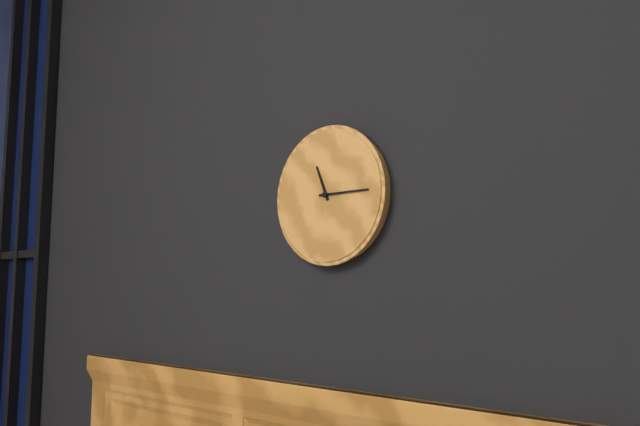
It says 11:15
